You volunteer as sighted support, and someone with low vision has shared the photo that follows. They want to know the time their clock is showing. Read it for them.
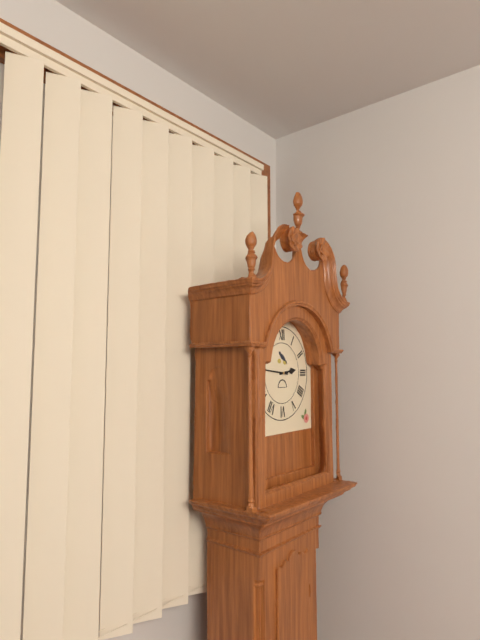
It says 2:46
